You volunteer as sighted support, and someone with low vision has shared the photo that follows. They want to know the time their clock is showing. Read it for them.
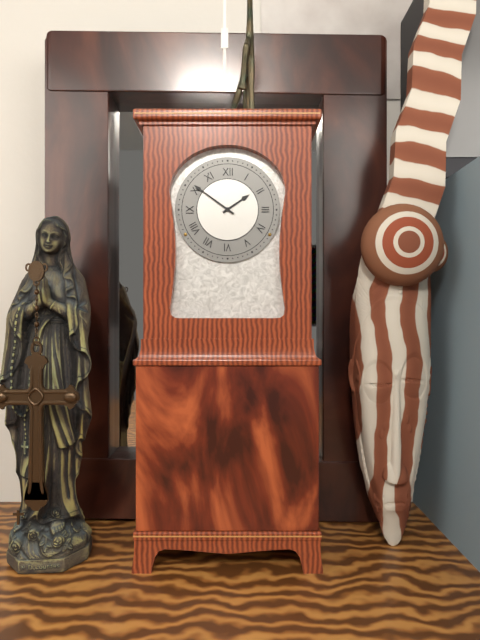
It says 1:51
